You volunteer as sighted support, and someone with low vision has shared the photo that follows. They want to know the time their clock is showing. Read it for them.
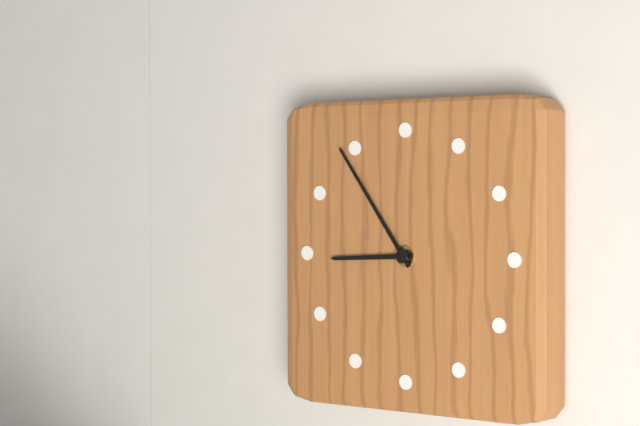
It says 8:54
